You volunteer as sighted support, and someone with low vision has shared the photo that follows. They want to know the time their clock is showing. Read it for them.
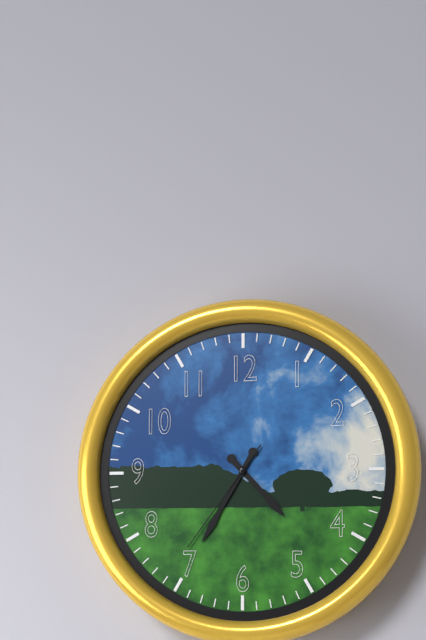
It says 4:35:36
